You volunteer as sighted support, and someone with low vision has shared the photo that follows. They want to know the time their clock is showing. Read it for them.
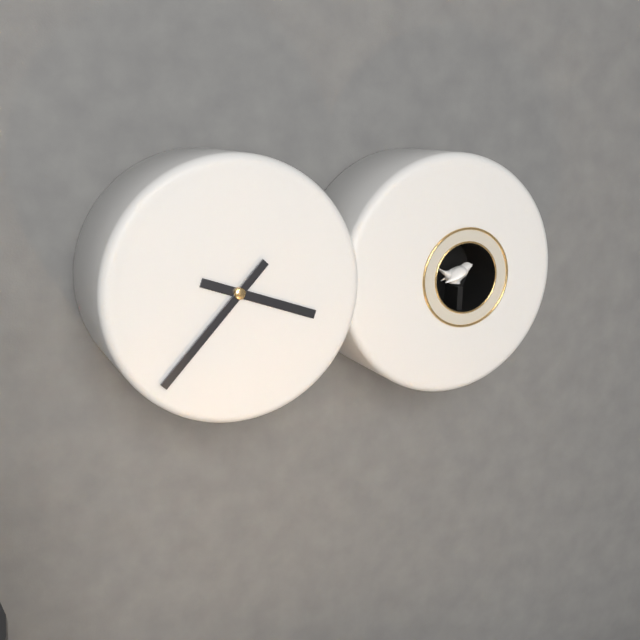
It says 3:37
